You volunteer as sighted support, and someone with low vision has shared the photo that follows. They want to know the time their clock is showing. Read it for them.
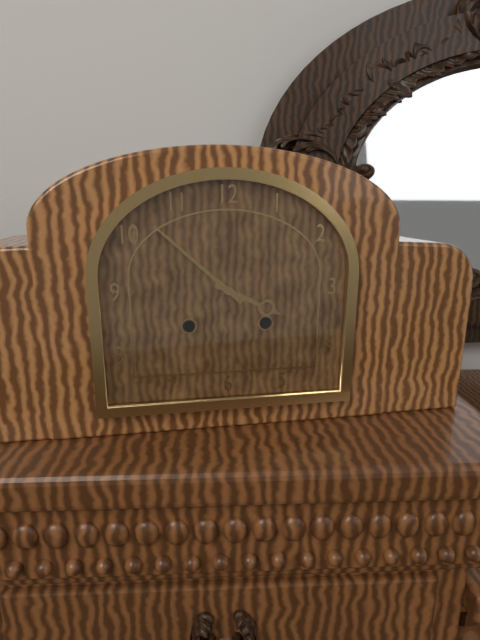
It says 3:52
